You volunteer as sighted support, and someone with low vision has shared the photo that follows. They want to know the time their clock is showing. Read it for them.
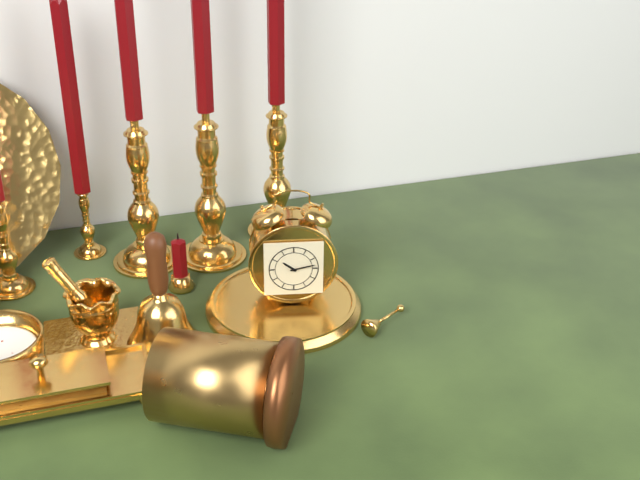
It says 10:13
